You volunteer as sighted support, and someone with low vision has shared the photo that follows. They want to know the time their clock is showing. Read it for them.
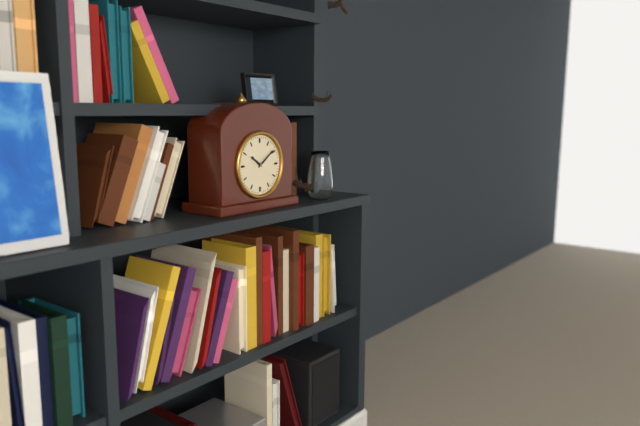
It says 10:09
